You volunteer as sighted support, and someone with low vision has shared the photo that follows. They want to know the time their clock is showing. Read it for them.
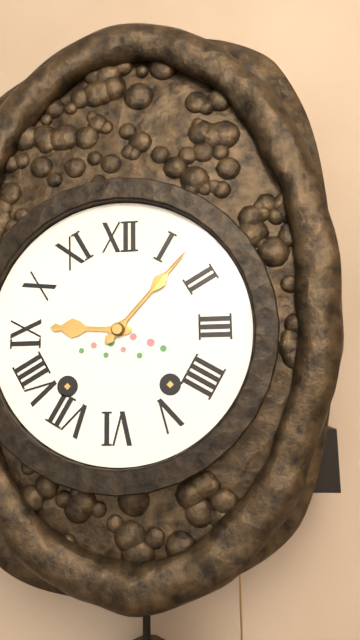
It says 9:07
